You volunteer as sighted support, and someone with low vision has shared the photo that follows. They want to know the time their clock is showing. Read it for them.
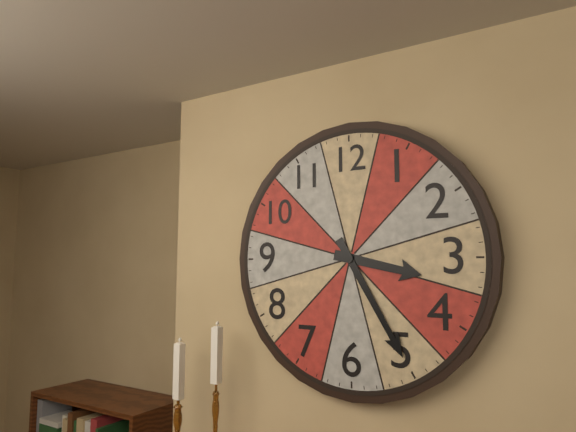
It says 3:25
